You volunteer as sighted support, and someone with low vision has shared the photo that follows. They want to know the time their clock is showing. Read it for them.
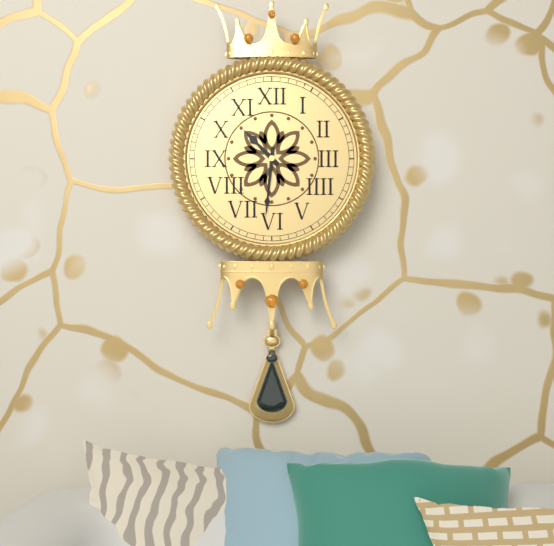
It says 10:31
